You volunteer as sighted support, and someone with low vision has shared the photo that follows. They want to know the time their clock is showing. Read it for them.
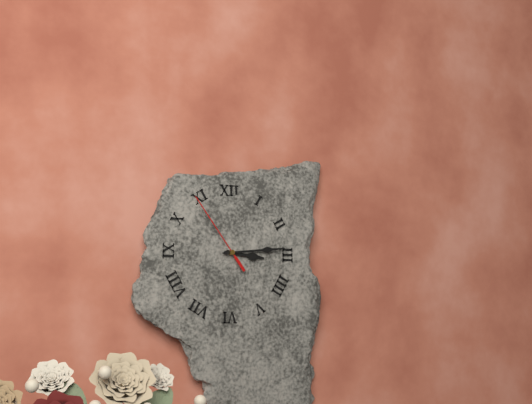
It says 3:14:54
